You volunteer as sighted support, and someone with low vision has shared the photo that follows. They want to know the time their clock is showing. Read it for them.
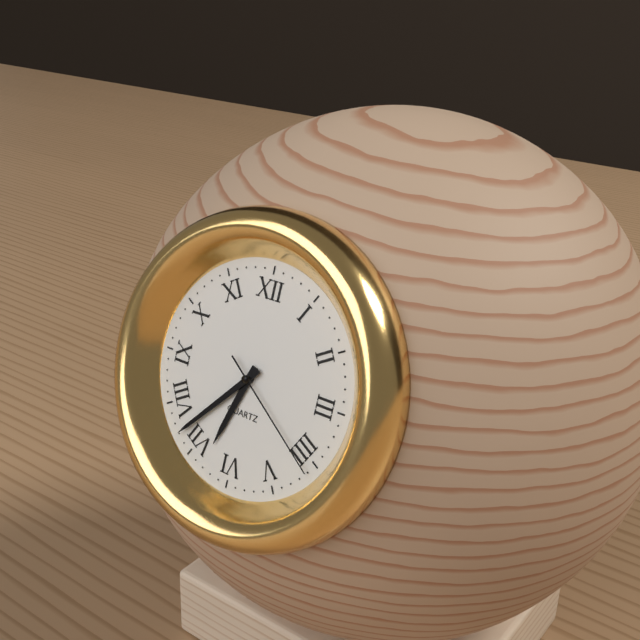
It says 6:37:21
